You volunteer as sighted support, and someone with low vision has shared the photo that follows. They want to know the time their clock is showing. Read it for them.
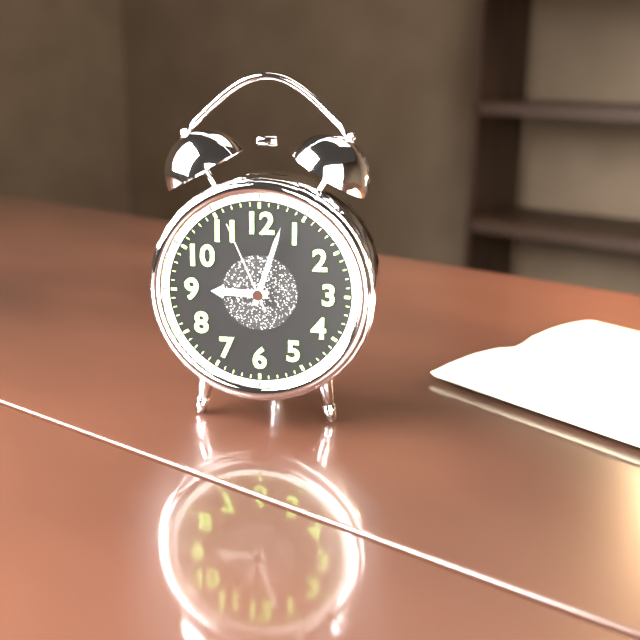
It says 9:03:56
